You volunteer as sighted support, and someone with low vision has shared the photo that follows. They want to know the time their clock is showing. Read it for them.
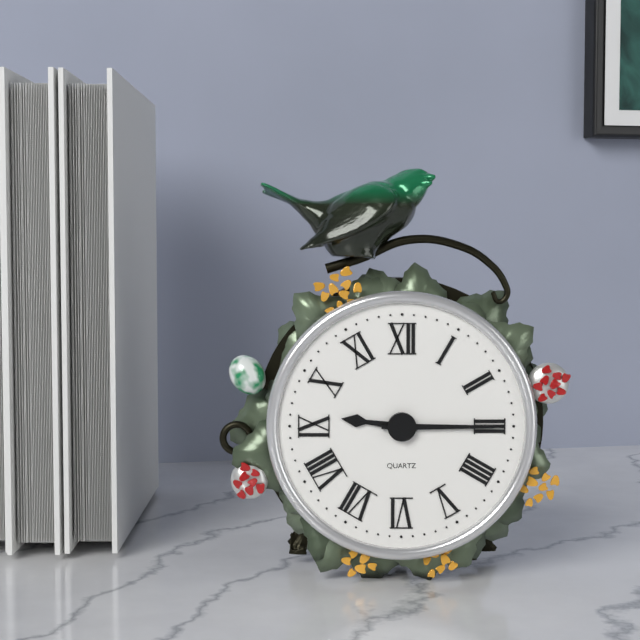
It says 9:15
